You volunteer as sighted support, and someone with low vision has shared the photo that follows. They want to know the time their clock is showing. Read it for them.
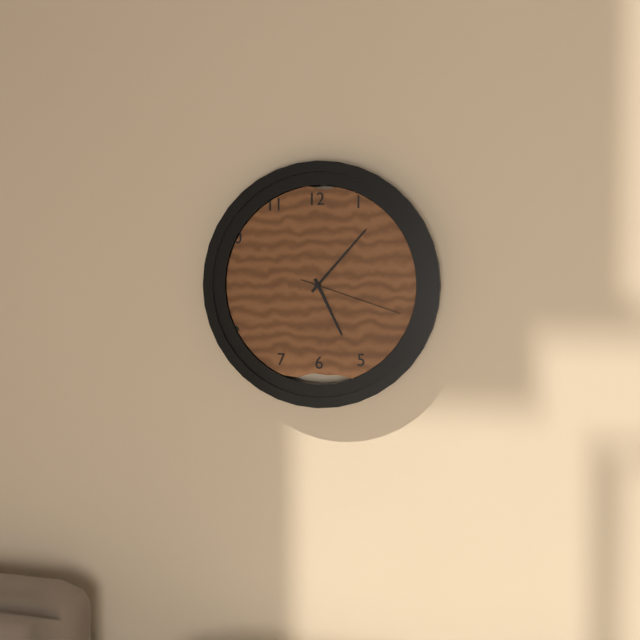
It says 5:07:18
